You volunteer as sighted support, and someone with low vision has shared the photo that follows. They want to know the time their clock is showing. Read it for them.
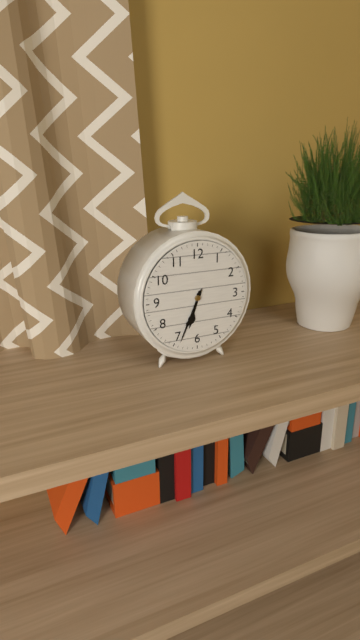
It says 6:34
